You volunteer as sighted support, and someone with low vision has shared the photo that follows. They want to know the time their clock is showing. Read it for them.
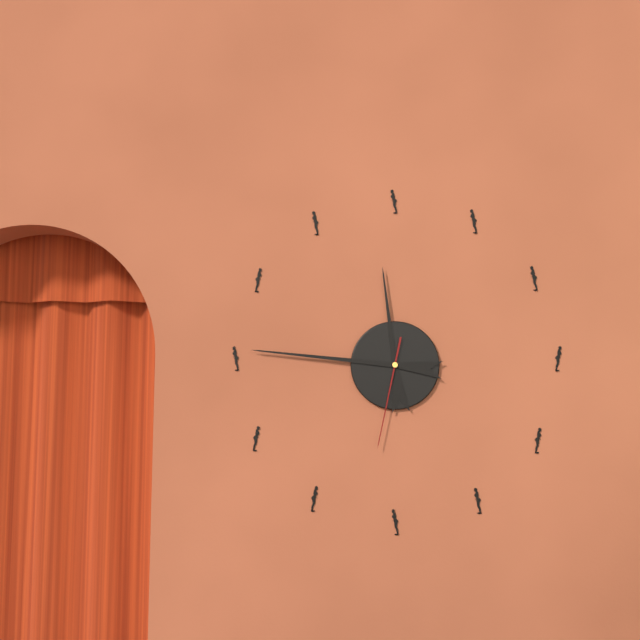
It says 11:46:32
